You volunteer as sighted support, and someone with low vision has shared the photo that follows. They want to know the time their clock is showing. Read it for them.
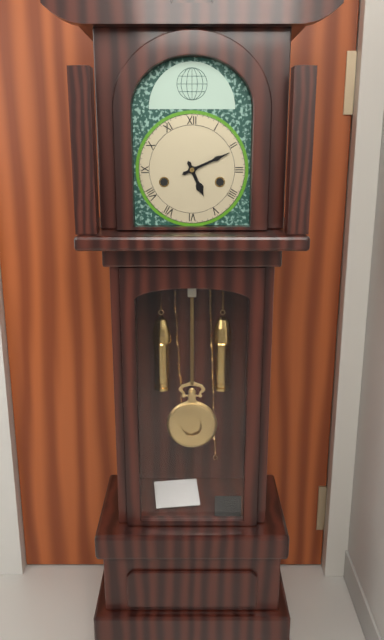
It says 5:11
